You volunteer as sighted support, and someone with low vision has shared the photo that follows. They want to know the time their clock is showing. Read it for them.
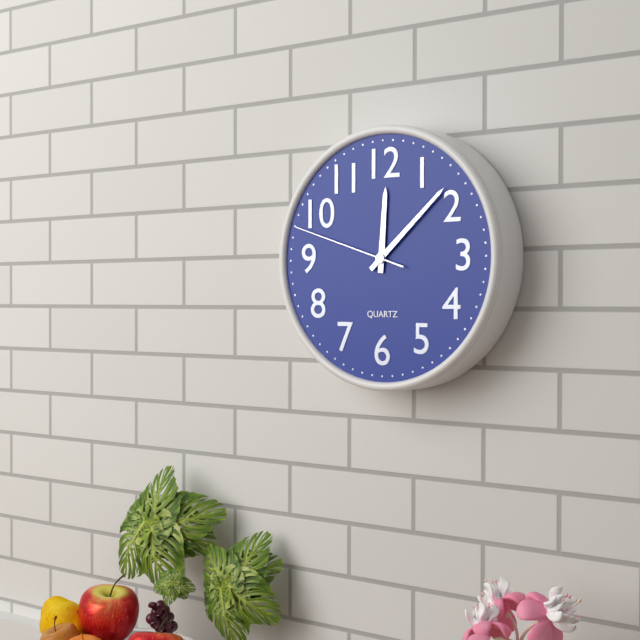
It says 12:08:48
